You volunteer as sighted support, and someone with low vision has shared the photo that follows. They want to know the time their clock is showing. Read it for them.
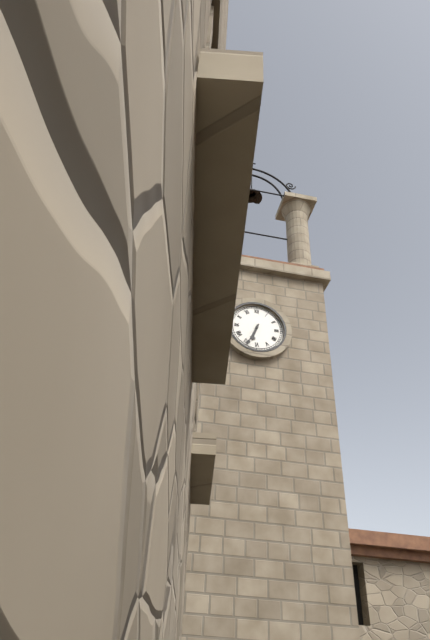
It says 6:34
